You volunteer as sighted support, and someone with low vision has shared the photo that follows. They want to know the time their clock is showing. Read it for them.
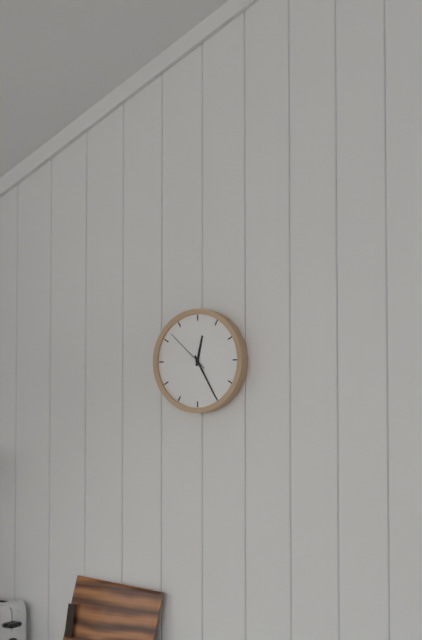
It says 12:25:52
